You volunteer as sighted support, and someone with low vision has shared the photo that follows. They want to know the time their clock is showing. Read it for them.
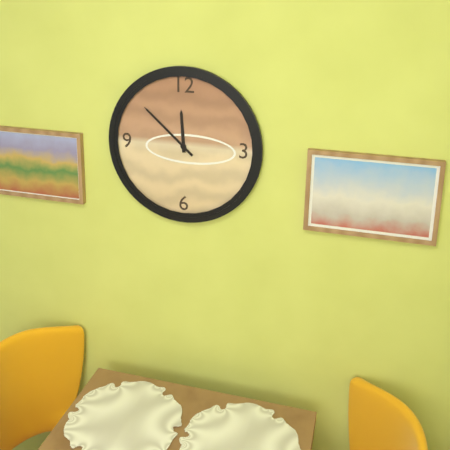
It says 11:52
